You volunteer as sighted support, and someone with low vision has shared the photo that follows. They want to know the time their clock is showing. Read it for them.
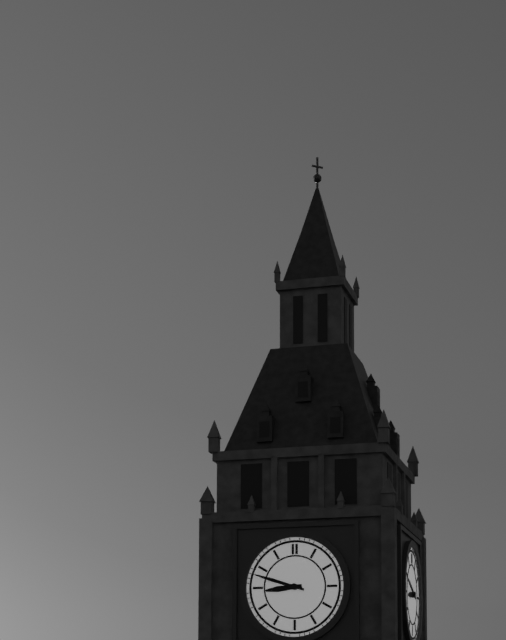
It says 8:48
